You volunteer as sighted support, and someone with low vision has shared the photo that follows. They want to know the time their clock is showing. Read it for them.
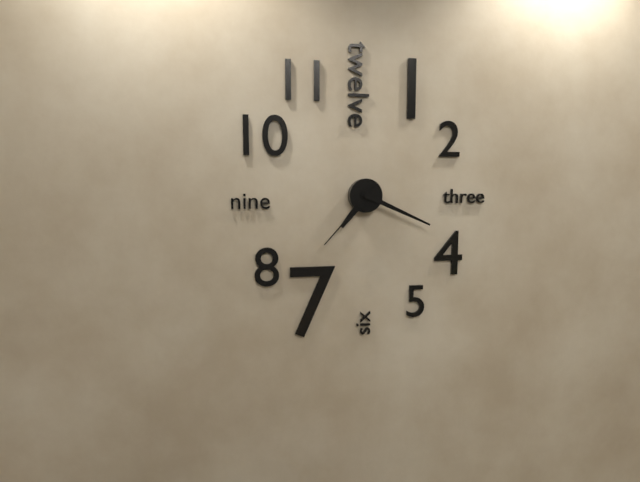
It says 7:19:37
